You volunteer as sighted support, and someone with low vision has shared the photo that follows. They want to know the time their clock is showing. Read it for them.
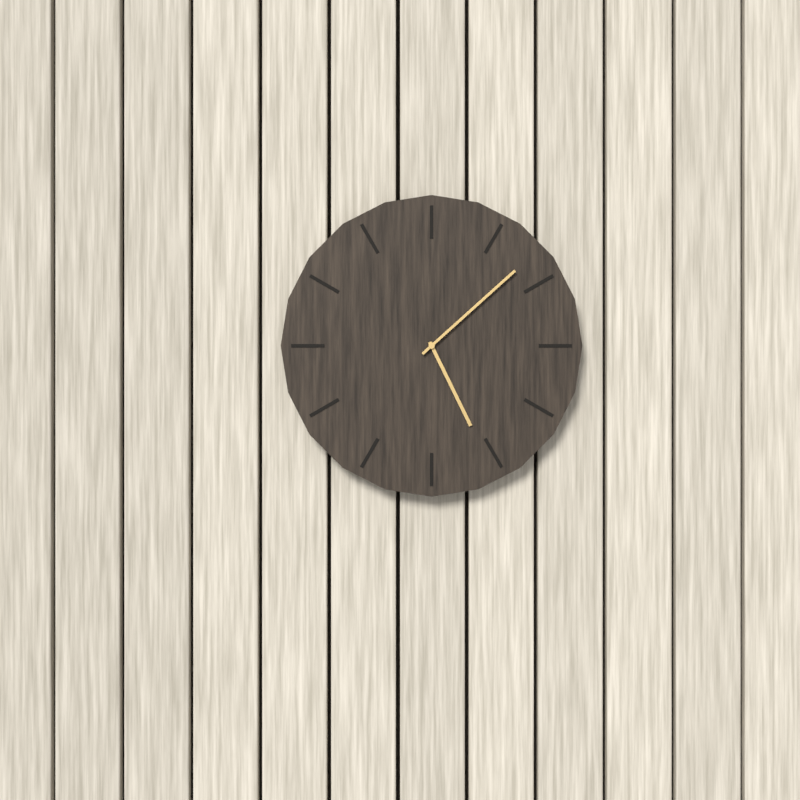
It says 5:08
